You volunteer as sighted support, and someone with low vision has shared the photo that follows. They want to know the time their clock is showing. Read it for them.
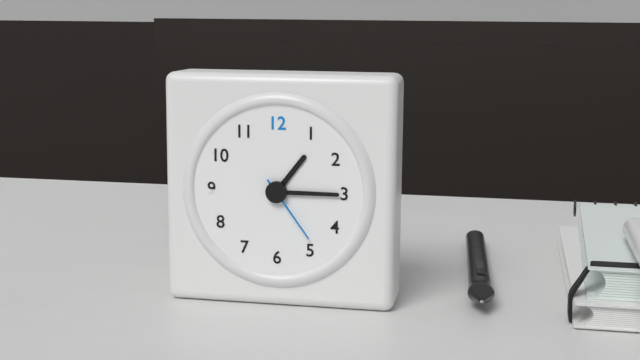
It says 1:15:24
